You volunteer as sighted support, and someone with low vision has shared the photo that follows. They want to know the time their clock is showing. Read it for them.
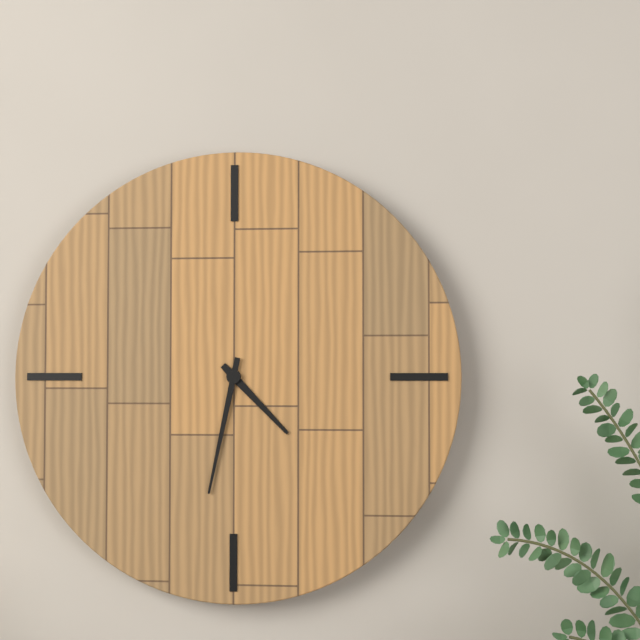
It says 4:32
